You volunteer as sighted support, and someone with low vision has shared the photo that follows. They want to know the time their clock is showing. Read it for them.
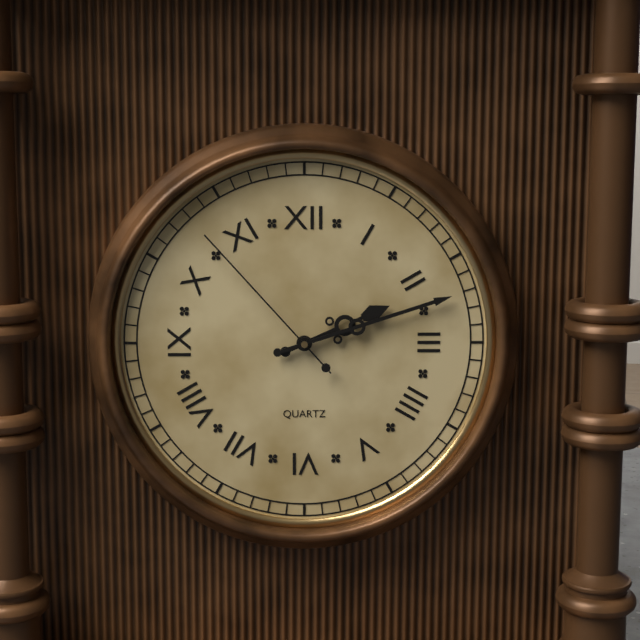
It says 2:12:53
